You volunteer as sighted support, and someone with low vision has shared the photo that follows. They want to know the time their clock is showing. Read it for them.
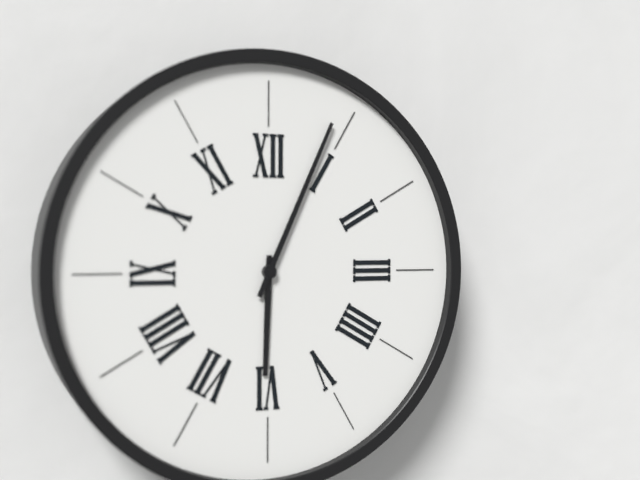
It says 6:04
